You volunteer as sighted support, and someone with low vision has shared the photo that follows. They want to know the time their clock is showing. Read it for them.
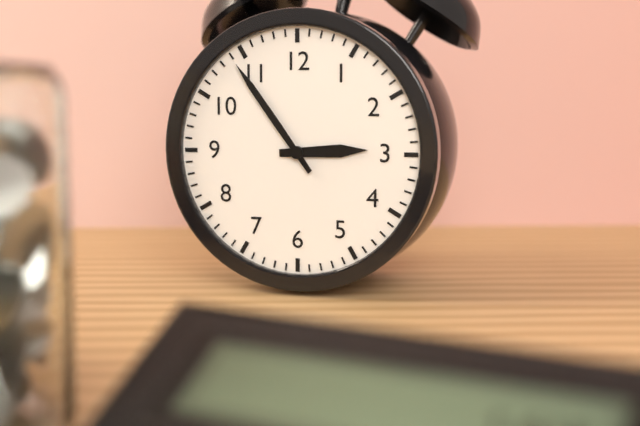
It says 2:54
